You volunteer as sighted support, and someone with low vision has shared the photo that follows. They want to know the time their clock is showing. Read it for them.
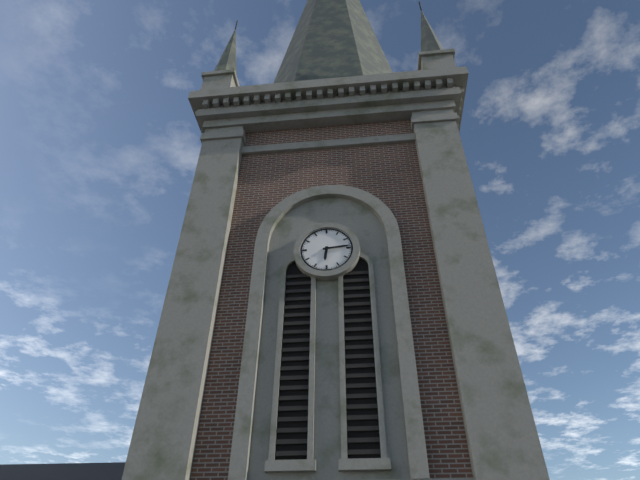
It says 6:14
